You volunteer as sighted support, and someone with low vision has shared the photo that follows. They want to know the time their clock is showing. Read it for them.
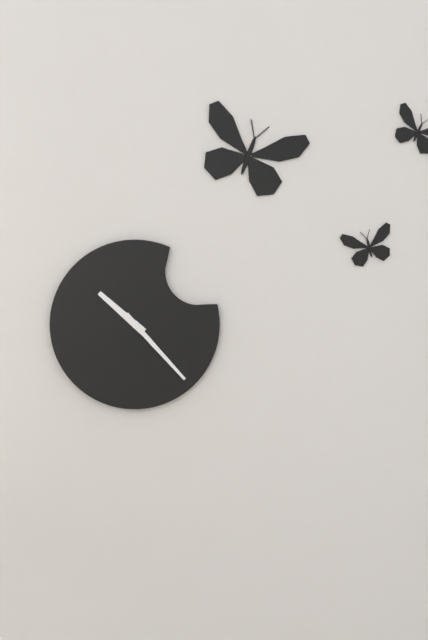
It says 10:23
